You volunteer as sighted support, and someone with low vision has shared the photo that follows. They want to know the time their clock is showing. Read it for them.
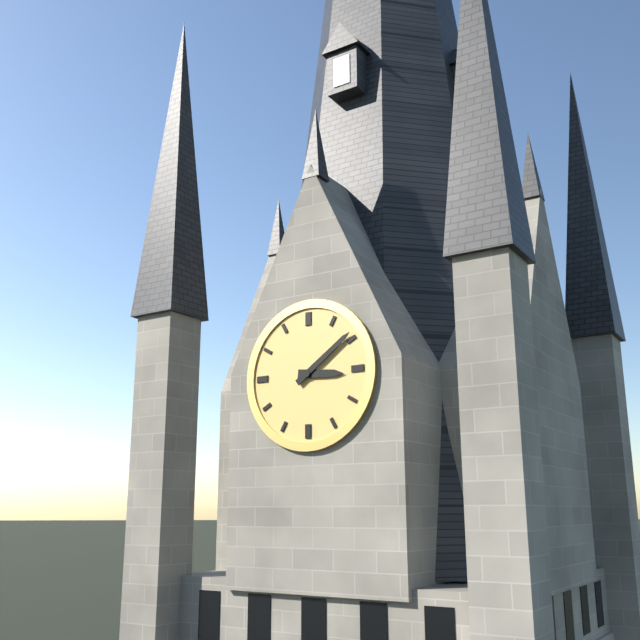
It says 3:09
